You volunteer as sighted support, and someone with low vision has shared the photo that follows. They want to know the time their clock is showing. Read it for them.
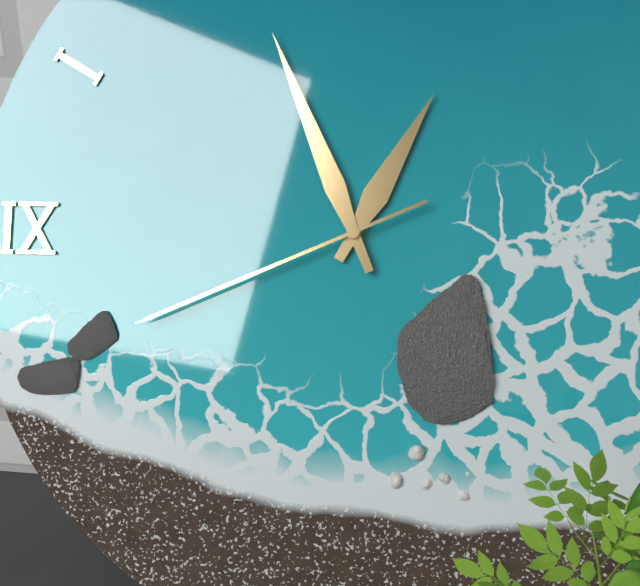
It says 12:56:41
